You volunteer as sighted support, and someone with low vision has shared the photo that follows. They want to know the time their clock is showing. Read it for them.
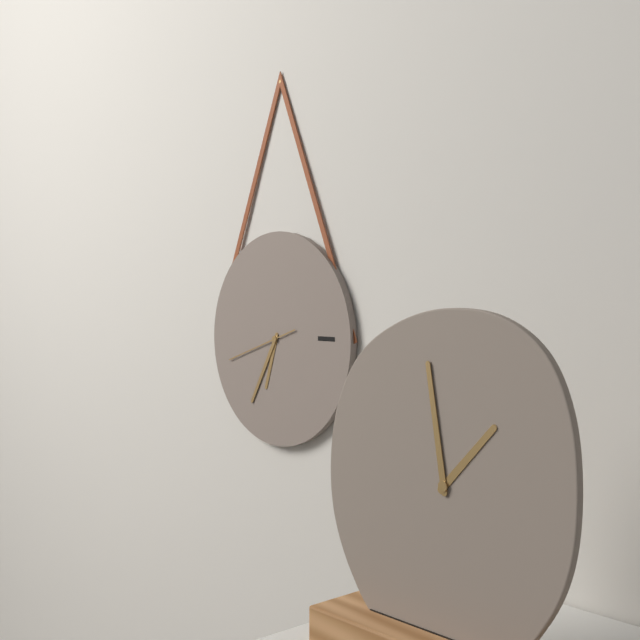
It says 6:35:42
